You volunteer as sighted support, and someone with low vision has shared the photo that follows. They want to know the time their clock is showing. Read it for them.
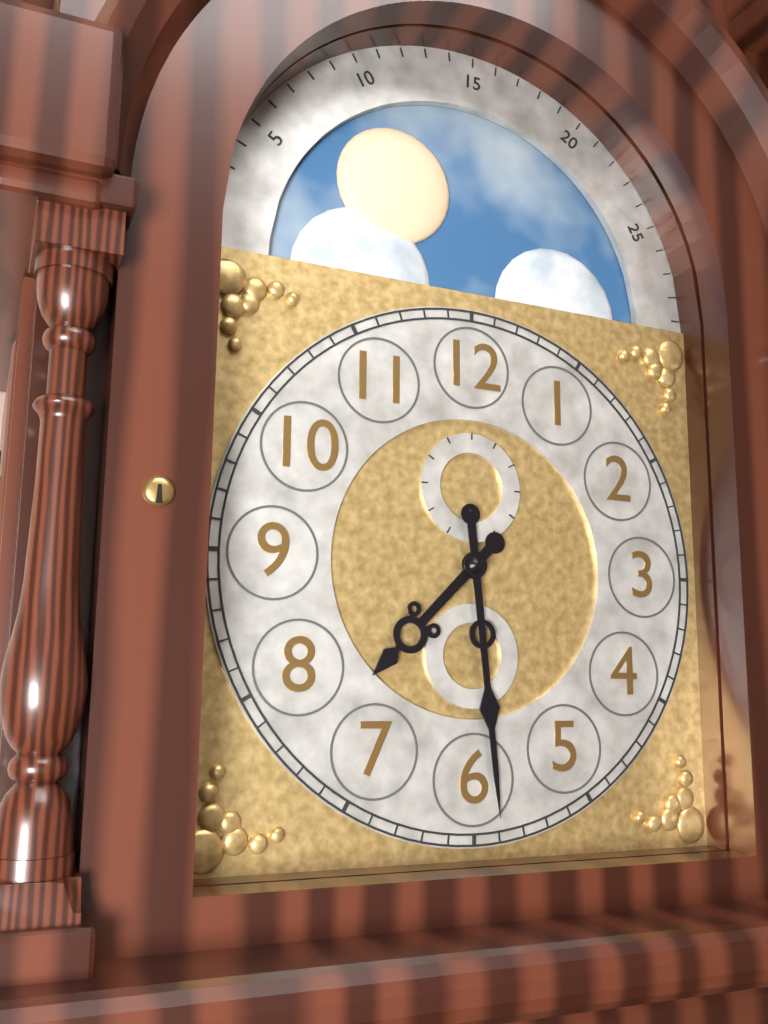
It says 7:29
